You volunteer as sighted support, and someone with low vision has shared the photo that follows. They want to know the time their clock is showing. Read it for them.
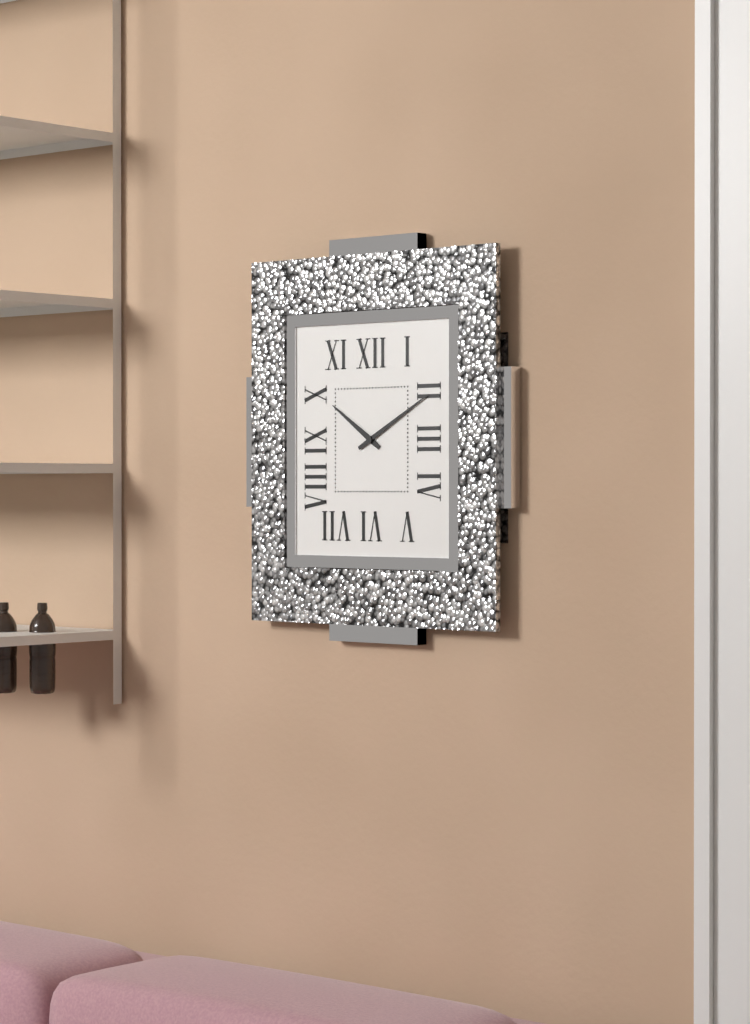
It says 10:10
